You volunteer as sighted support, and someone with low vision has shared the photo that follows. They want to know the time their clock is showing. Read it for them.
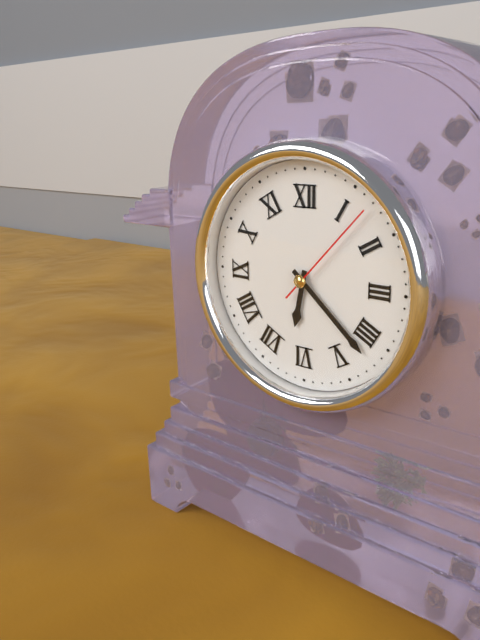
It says 6:22:07
